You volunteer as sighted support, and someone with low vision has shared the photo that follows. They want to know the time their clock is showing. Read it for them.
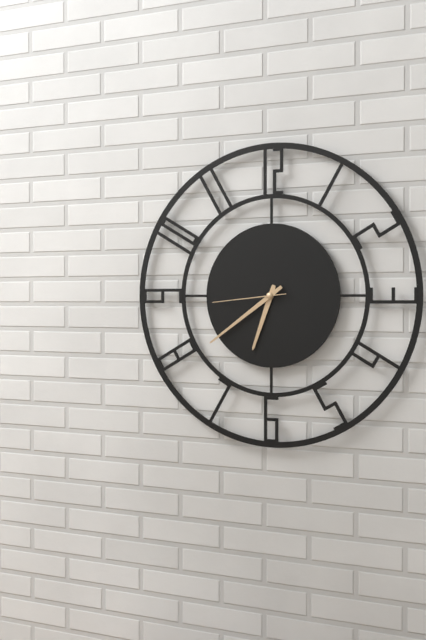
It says 6:39:44
